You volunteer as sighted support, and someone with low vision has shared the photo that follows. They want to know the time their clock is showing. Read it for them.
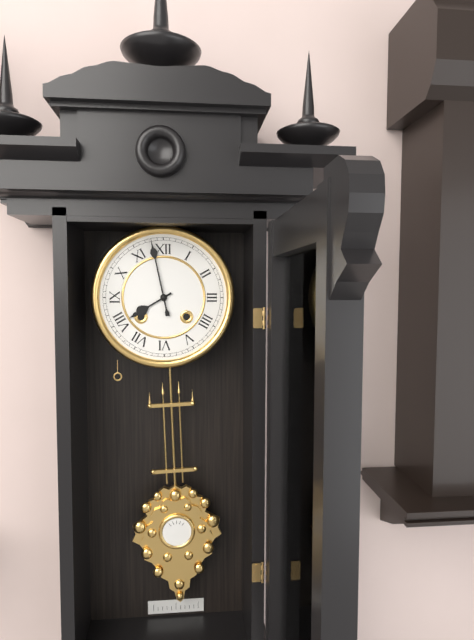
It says 7:58
